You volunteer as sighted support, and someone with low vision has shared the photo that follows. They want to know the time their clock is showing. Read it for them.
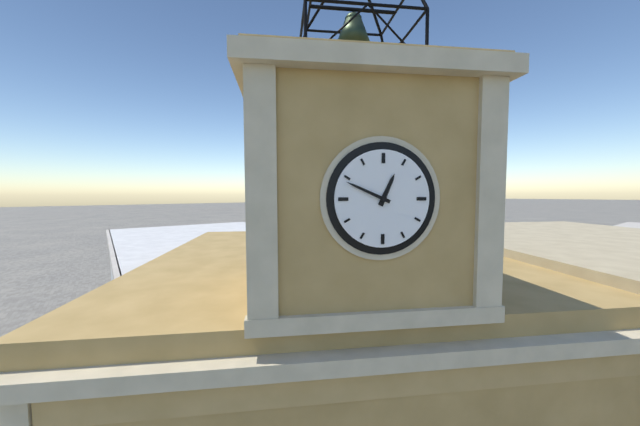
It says 12:49
